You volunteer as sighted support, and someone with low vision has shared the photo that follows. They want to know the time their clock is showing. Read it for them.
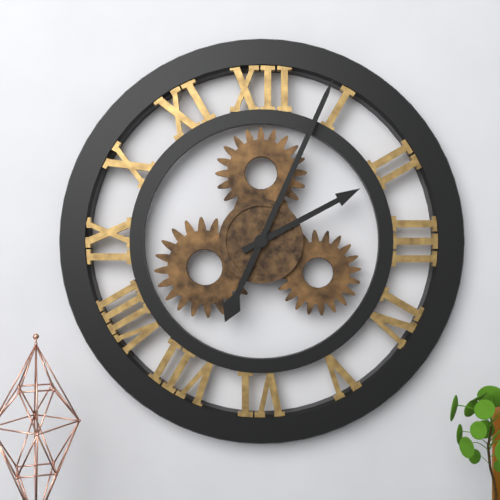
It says 2:04
